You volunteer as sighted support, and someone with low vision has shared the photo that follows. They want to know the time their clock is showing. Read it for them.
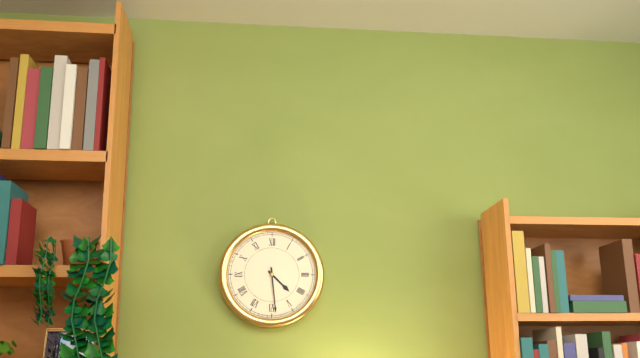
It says 4:29
